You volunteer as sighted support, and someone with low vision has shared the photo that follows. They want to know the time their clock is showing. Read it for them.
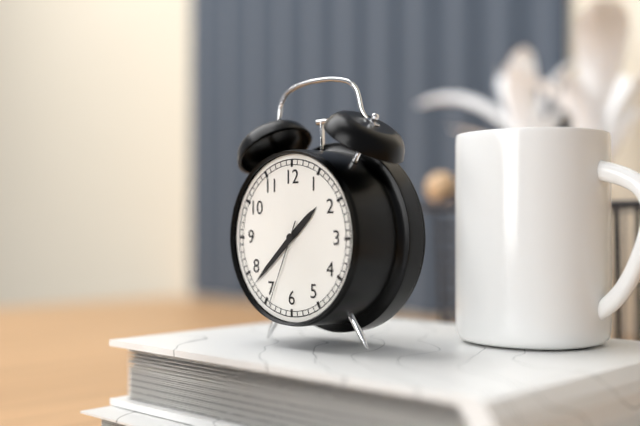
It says 1:38:34
